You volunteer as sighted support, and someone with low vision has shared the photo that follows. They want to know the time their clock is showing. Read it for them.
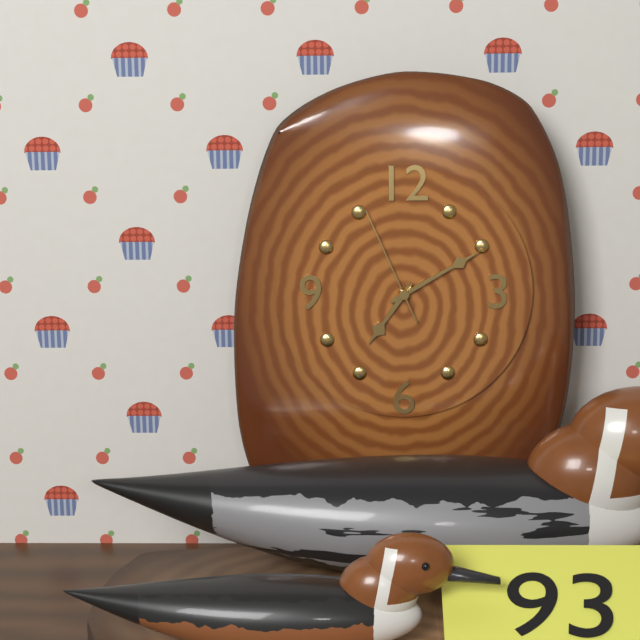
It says 7:10:56
